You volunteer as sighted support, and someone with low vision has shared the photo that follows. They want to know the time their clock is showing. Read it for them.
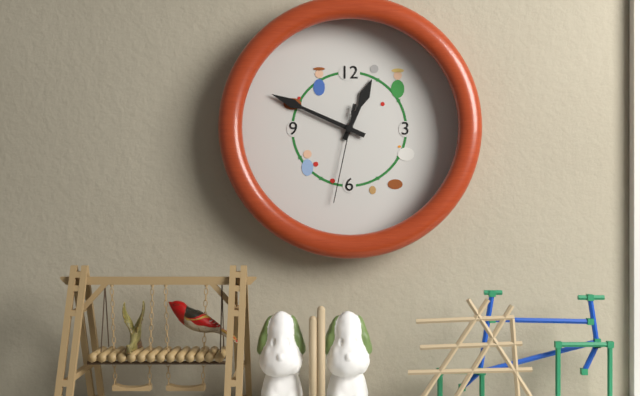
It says 12:49:32
